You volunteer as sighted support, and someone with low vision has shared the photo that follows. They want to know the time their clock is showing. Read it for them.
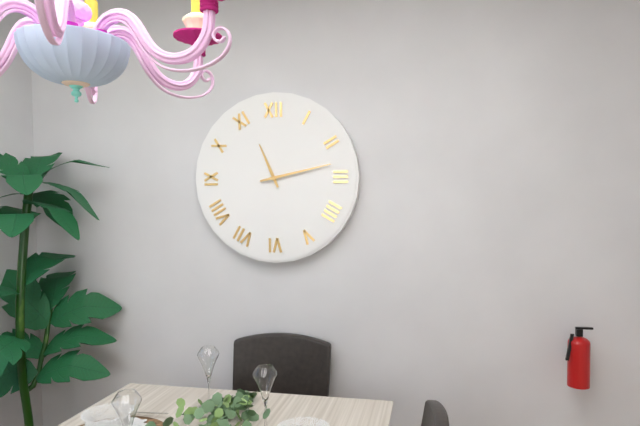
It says 11:13
